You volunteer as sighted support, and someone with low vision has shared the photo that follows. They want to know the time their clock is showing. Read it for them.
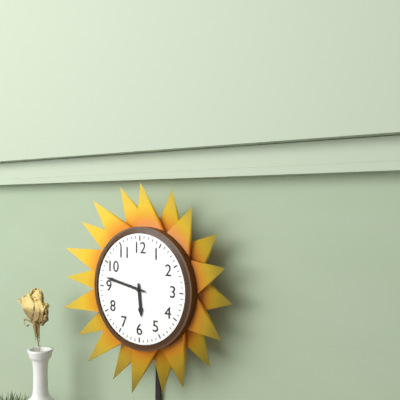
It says 5:47
